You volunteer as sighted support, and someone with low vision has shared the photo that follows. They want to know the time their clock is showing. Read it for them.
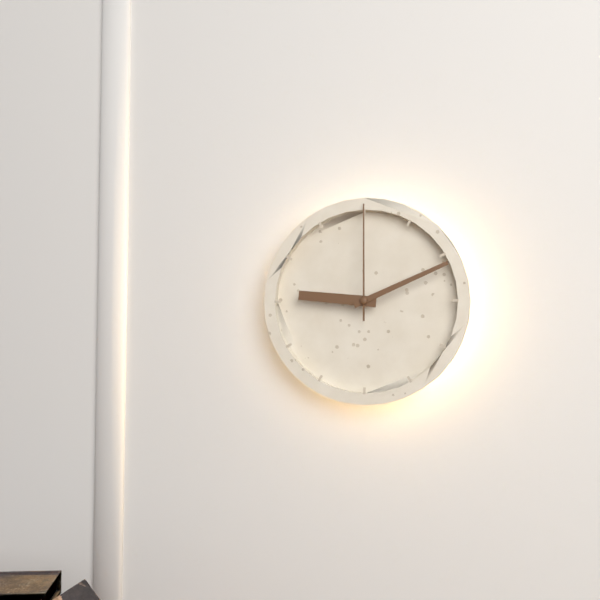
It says 9:11:00
